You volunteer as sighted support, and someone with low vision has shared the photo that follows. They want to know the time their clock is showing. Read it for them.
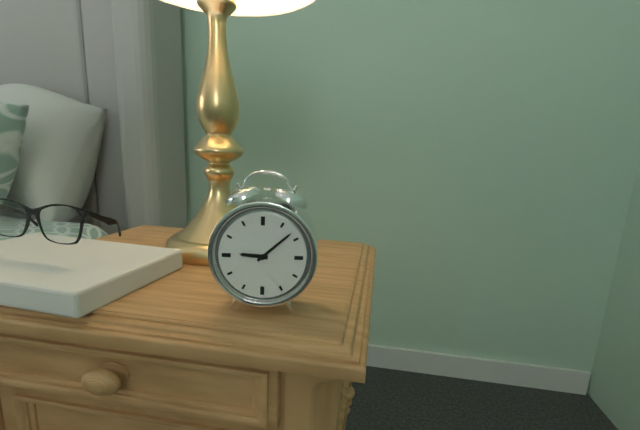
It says 9:08
